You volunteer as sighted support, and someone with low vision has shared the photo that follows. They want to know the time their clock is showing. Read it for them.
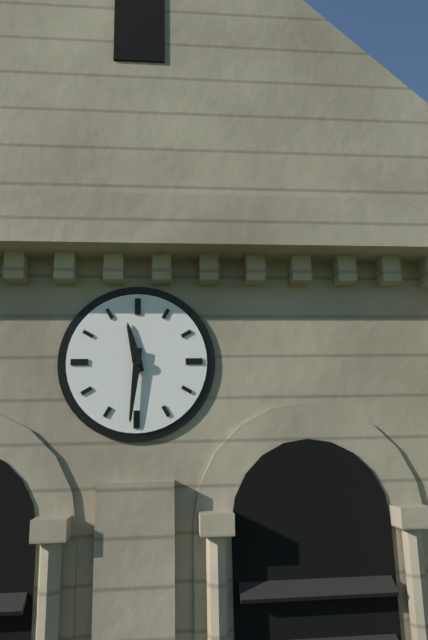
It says 11:31
